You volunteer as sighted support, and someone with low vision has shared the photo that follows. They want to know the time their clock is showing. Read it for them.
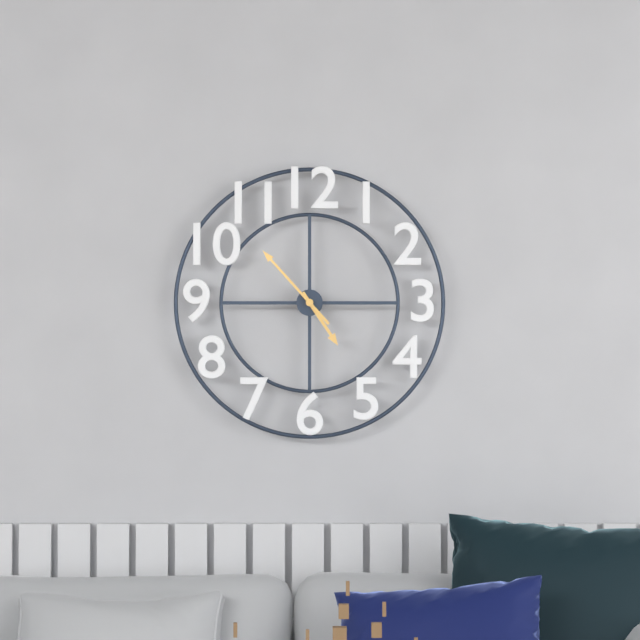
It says 4:53
